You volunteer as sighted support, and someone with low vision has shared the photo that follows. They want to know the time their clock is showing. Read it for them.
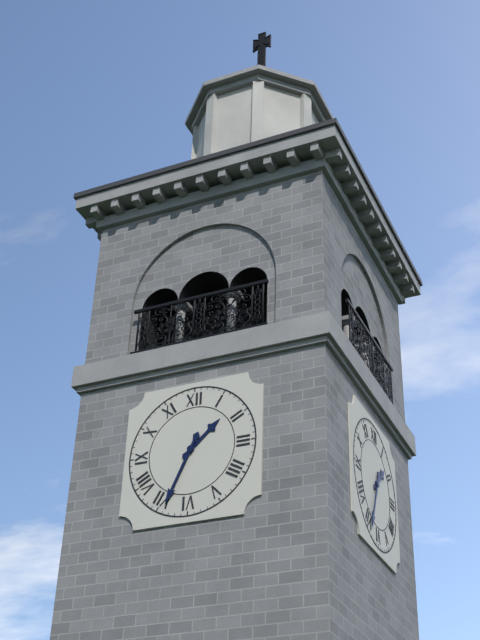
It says 1:34
